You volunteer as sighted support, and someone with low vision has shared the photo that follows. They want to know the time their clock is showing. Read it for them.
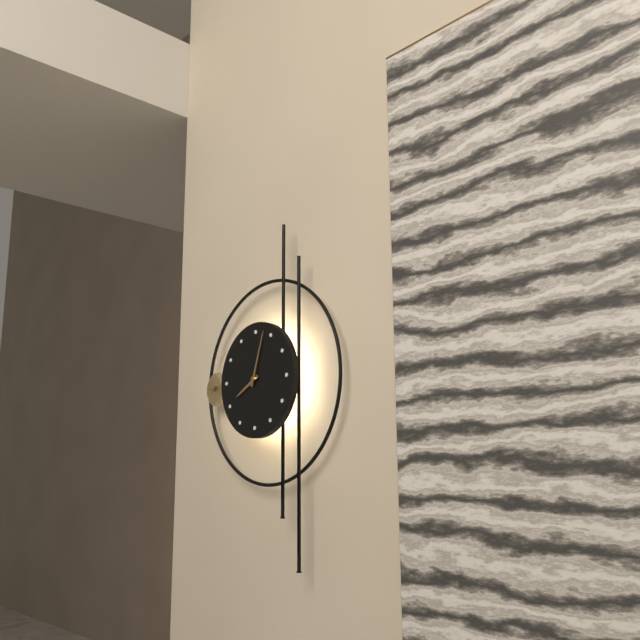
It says 8:03
